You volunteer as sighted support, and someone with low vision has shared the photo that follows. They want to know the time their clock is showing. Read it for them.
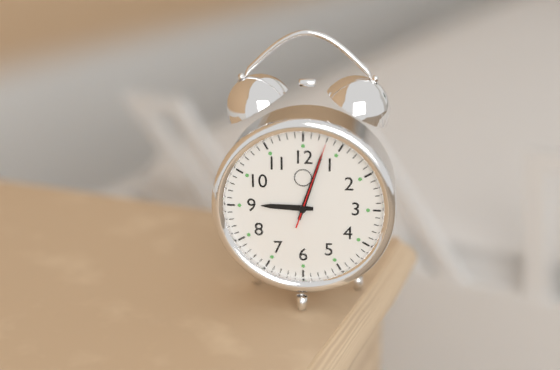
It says 9:03:03
